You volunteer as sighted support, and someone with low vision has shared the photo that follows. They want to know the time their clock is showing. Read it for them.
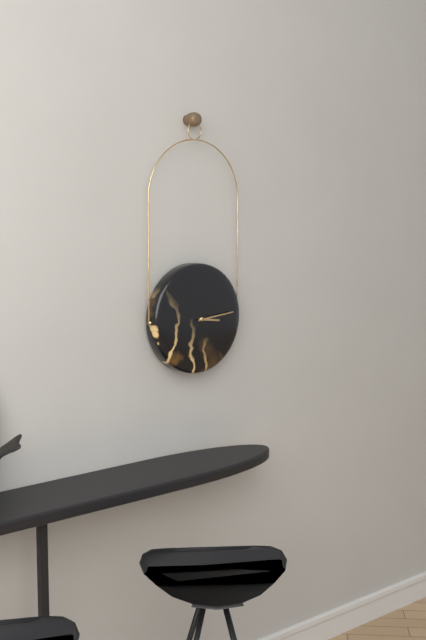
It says 3:14
